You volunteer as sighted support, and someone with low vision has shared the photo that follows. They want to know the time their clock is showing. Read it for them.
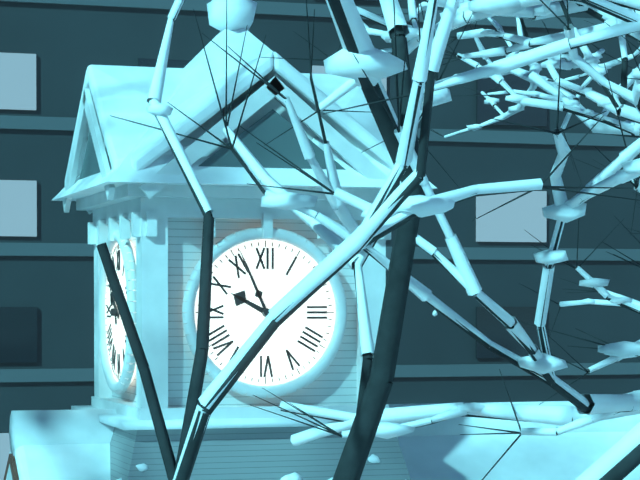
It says 9:56
